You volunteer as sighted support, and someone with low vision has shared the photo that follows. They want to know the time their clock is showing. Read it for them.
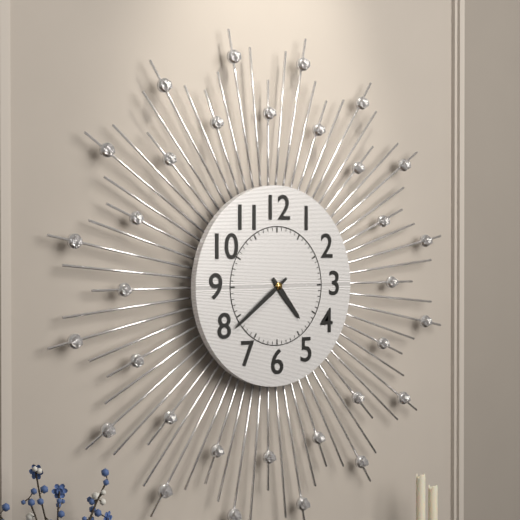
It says 4:39
